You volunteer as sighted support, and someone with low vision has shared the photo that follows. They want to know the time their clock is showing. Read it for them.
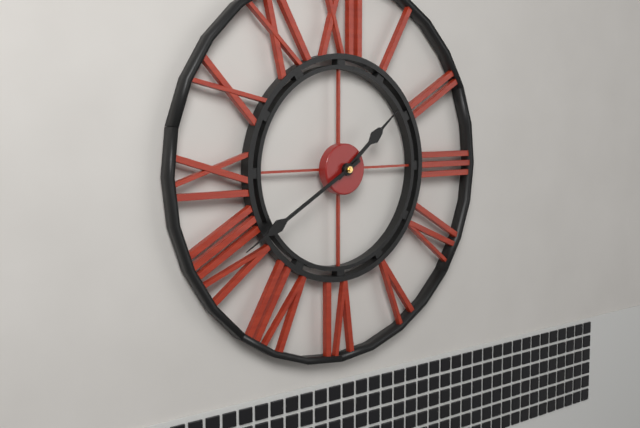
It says 1:40
